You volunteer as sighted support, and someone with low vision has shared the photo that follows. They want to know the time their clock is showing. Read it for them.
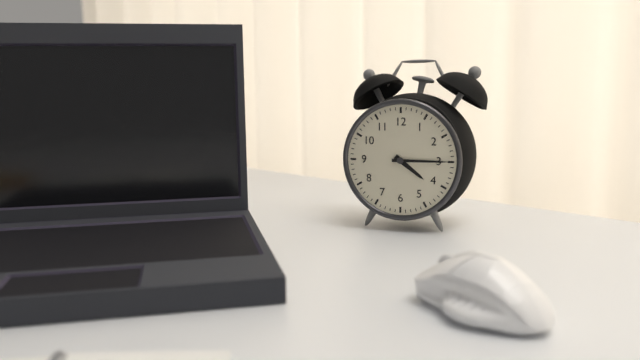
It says 4:15
